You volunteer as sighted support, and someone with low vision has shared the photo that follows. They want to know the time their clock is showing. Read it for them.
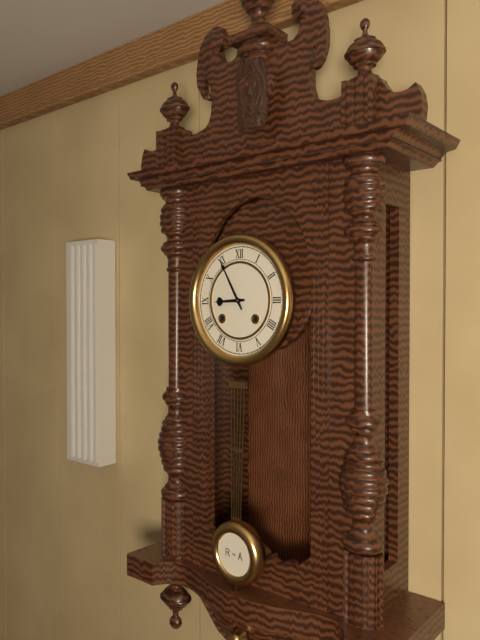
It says 8:55
